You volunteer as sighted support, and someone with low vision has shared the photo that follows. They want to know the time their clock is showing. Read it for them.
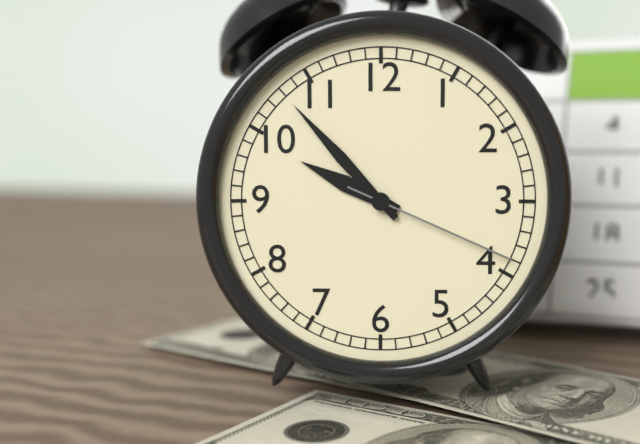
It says 9:53:19
